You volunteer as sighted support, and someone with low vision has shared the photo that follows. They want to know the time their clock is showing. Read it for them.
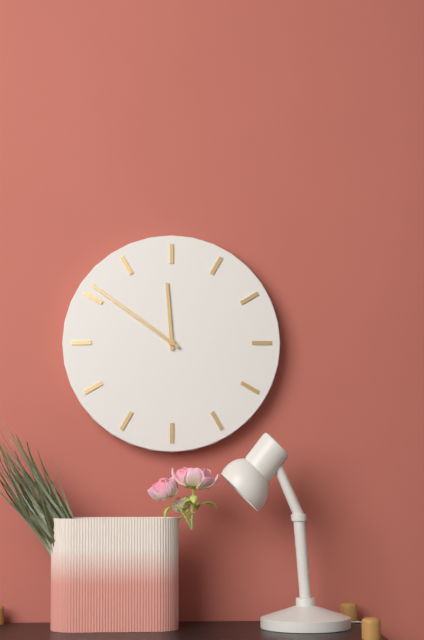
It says 11:51
